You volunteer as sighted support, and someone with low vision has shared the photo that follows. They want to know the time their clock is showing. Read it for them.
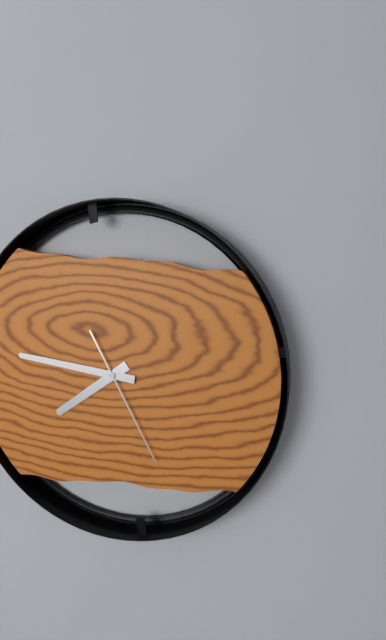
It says 7:46:25
